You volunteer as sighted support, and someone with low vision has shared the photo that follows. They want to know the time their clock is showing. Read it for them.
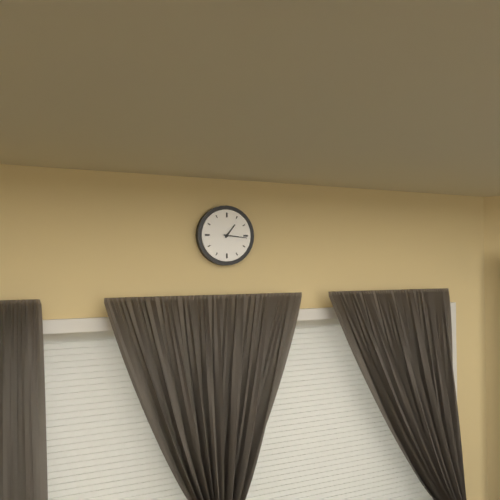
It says 1:16
